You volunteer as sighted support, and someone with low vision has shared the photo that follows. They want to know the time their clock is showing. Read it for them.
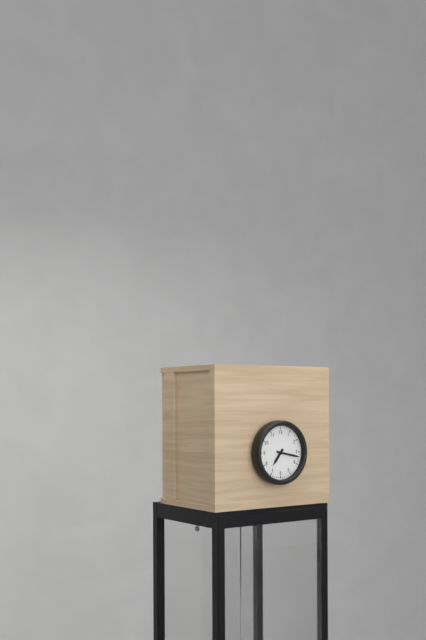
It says 7:17
